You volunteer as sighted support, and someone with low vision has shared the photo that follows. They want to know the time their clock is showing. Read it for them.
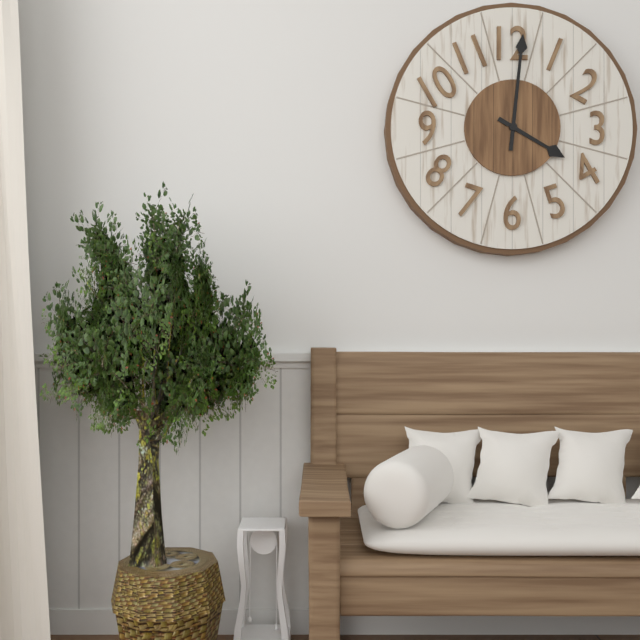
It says 4:01
